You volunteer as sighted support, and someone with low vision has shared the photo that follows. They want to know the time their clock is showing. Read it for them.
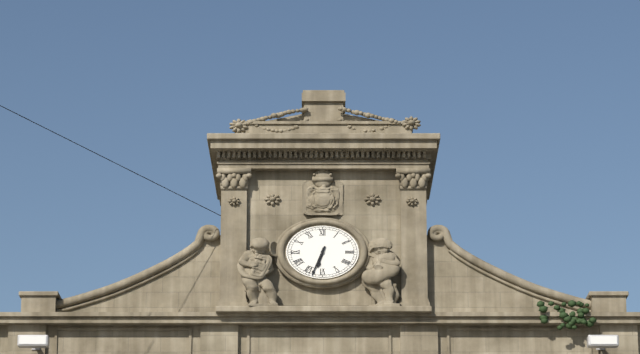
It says 6:34
